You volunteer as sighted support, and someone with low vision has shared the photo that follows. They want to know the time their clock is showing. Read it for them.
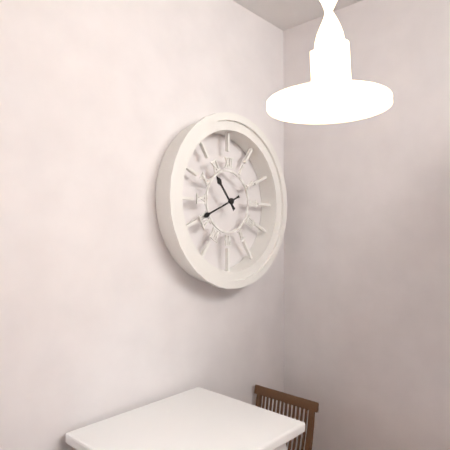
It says 10:41
